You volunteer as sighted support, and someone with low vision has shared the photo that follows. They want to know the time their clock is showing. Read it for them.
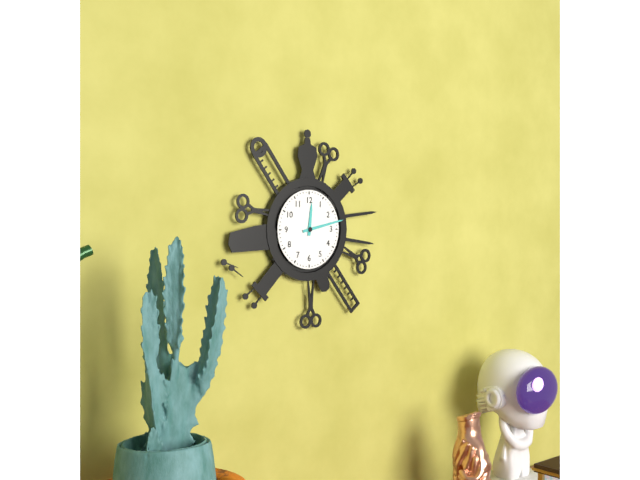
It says 12:13
